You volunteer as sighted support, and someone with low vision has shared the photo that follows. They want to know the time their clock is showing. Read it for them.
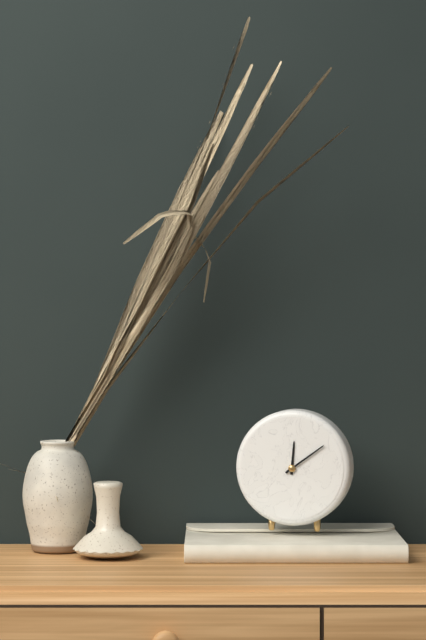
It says 12:09
